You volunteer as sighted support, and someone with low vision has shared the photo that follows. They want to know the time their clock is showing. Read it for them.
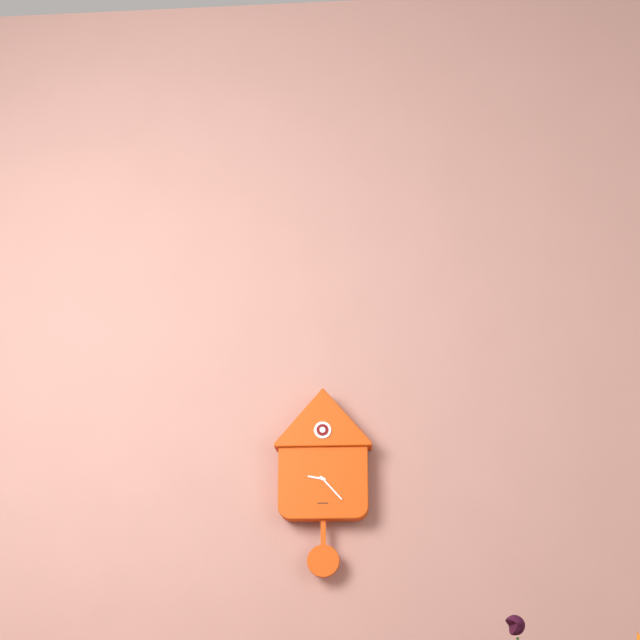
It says 9:23
